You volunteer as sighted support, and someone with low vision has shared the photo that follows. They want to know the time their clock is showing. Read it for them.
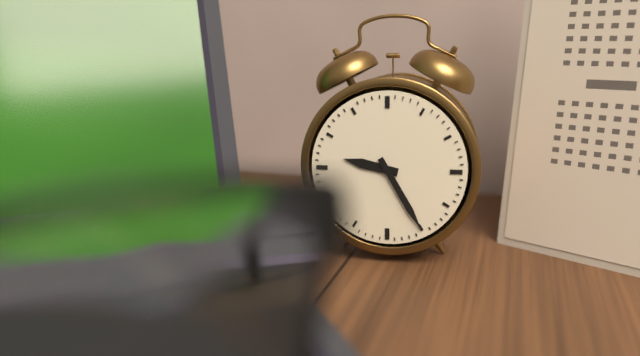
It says 9:25
